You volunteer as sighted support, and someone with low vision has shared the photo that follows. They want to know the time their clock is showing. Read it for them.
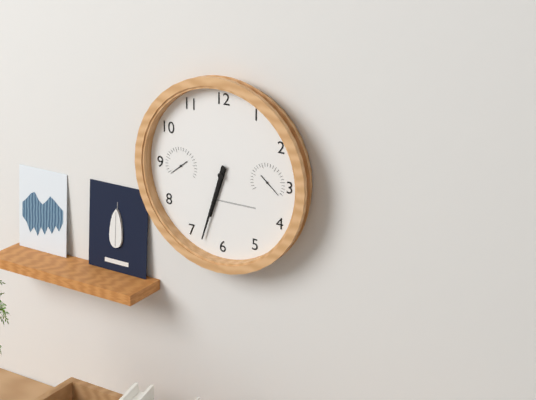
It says 6:33
